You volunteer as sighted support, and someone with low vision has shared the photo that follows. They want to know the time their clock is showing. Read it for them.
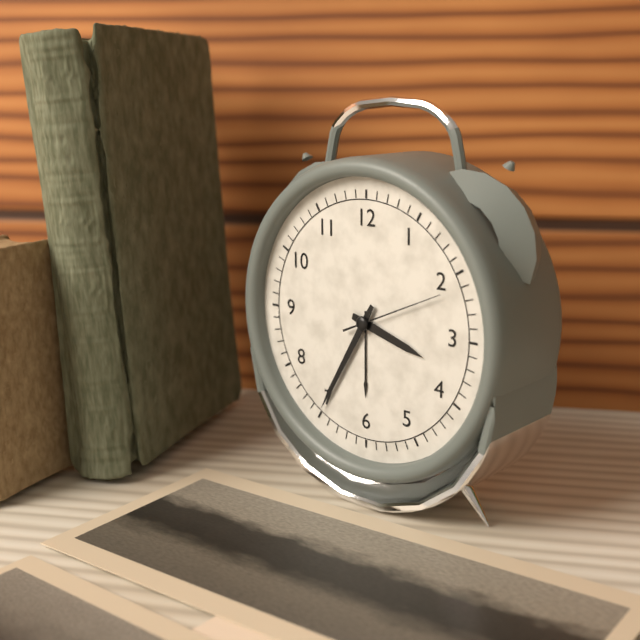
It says 3:35:11
